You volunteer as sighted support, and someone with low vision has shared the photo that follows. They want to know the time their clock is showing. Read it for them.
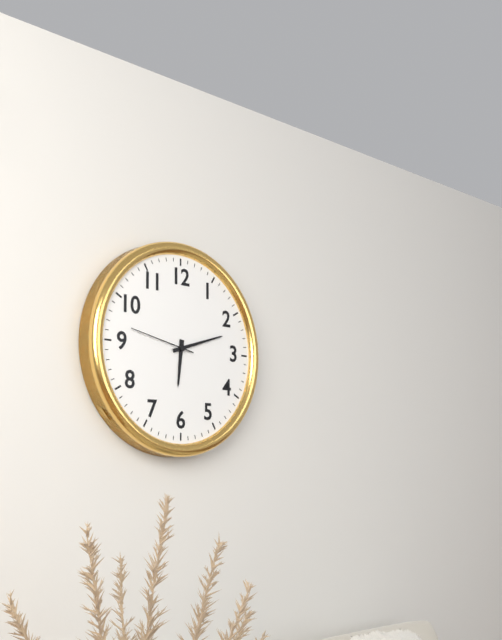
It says 6:12:47
